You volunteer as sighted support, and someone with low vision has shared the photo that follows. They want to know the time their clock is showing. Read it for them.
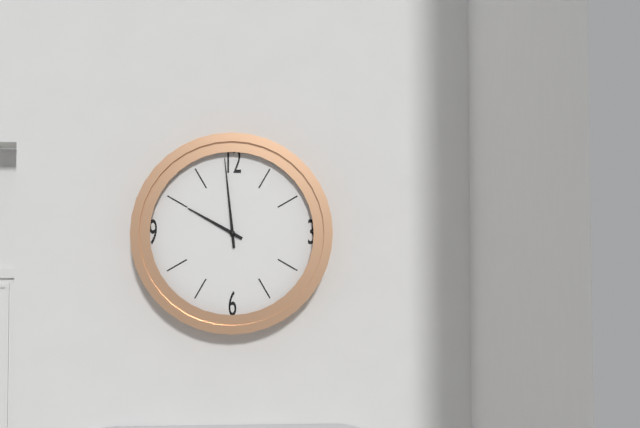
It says 9:59
